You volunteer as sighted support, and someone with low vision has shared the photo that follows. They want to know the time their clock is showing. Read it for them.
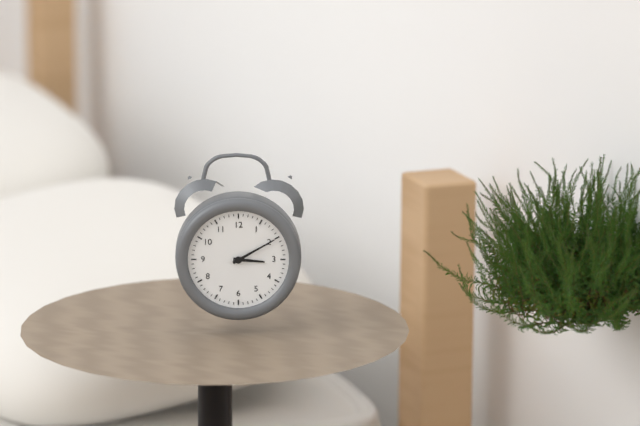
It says 3:10
